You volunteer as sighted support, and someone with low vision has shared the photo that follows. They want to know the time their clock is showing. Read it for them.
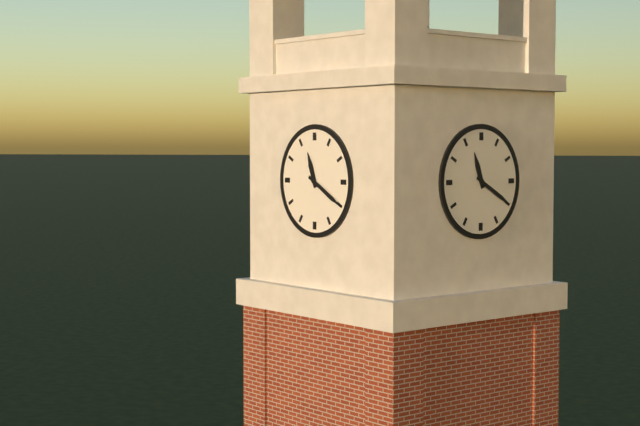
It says 11:20
